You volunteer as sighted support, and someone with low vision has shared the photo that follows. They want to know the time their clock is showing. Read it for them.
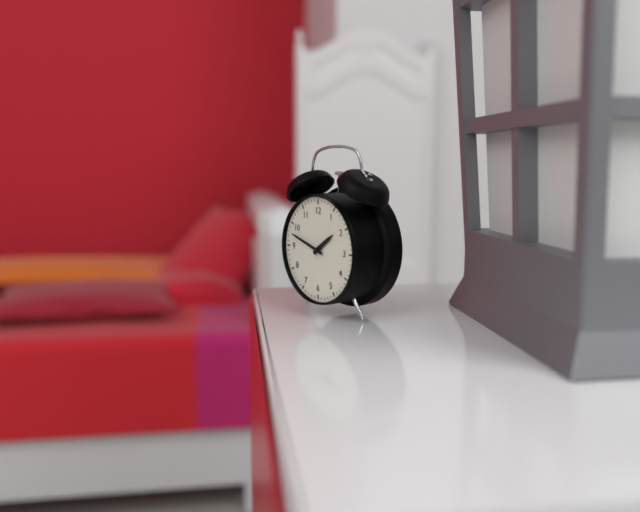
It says 1:48
